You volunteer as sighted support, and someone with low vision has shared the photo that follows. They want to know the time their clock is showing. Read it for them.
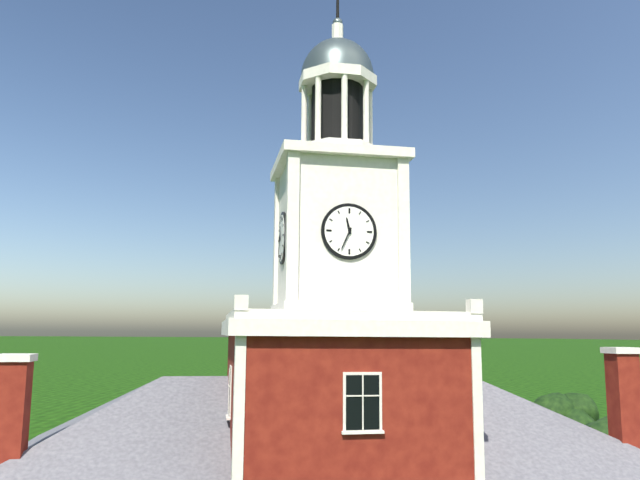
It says 11:34
